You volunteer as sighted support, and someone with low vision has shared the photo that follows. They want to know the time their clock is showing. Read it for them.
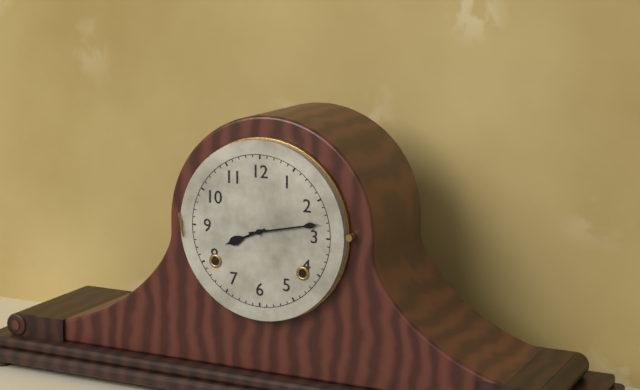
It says 8:13
